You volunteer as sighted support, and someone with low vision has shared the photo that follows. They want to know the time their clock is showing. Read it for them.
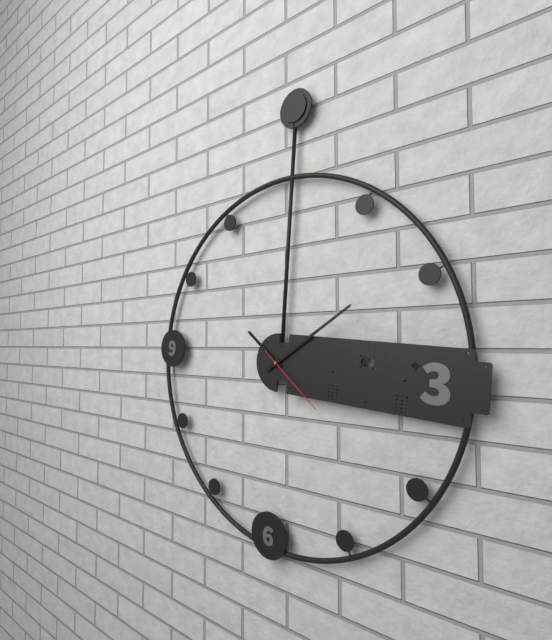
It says 10:09:21
